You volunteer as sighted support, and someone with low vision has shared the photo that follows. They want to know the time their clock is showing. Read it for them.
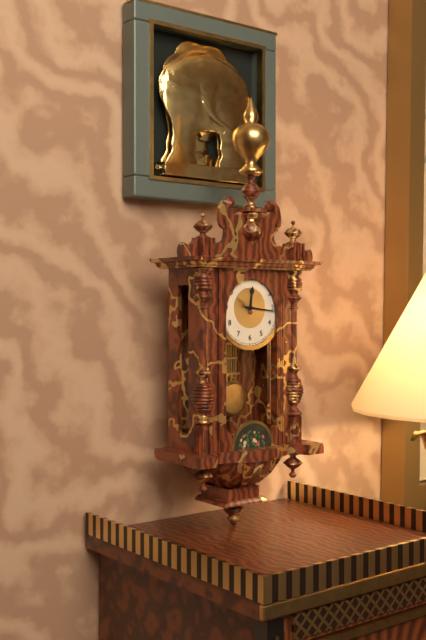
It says 12:16
